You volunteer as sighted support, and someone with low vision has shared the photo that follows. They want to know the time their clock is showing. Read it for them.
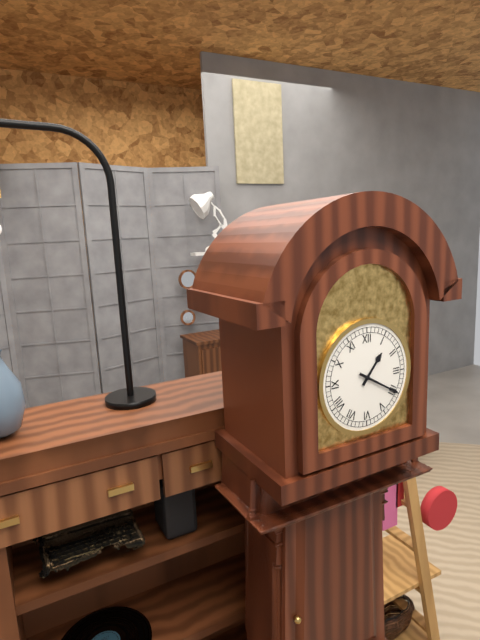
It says 1:20
